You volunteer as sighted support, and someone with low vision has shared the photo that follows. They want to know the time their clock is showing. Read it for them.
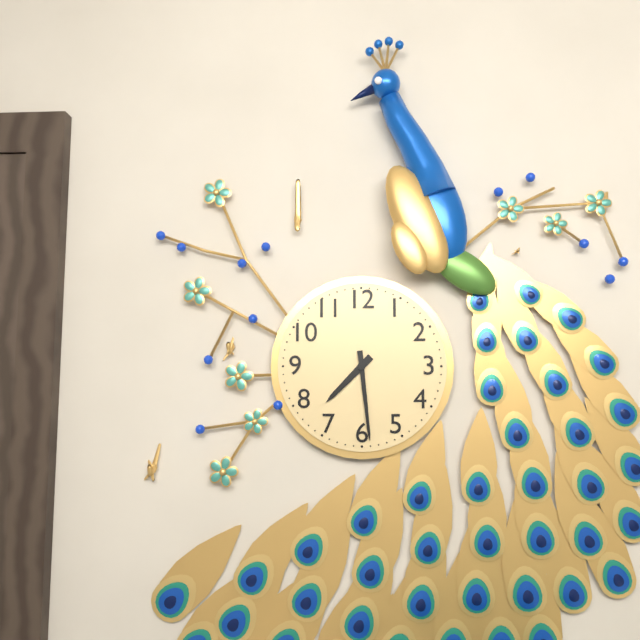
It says 7:29
